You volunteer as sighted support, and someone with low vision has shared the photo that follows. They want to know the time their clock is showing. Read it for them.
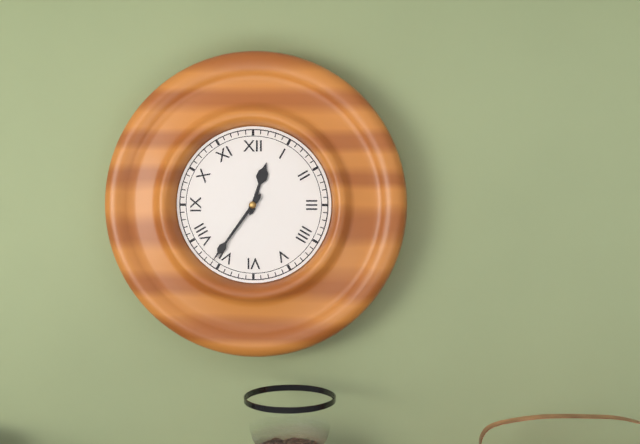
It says 12:36
